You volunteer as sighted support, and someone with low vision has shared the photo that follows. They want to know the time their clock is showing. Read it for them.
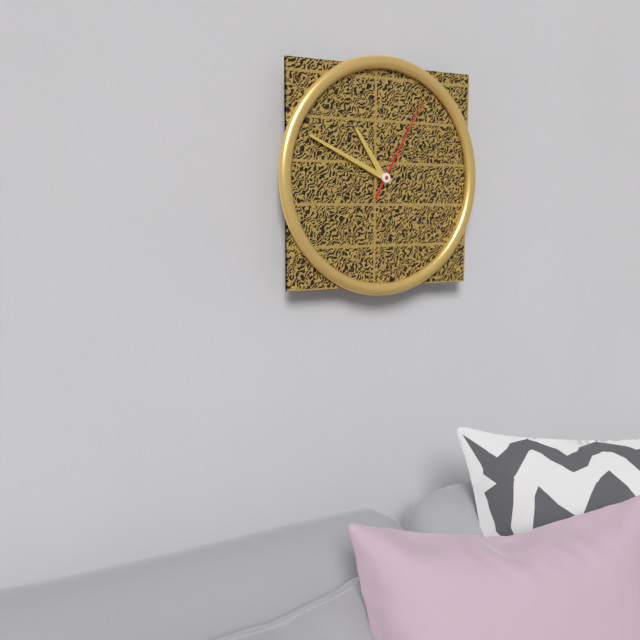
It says 10:49:05
